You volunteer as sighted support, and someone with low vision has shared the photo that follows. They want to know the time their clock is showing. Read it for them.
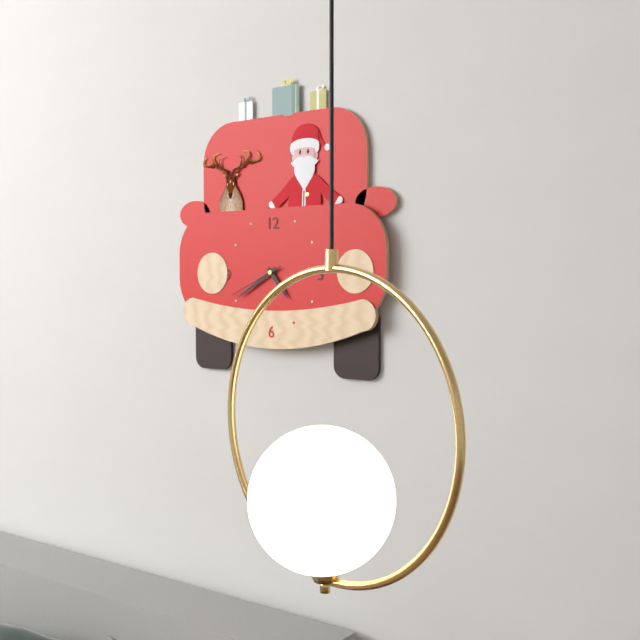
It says 4:40:41
